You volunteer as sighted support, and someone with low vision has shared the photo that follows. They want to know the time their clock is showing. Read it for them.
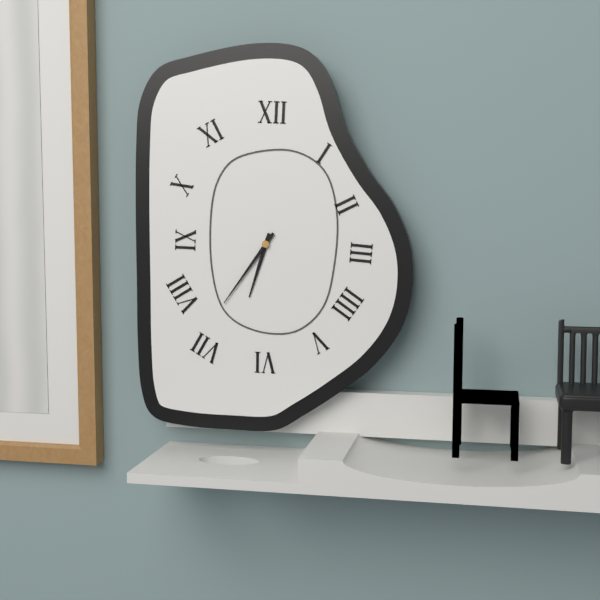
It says 6:36
